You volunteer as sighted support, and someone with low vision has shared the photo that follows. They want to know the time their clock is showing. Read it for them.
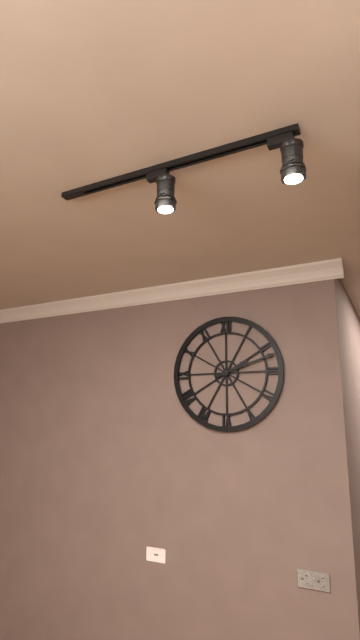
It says 2:12
